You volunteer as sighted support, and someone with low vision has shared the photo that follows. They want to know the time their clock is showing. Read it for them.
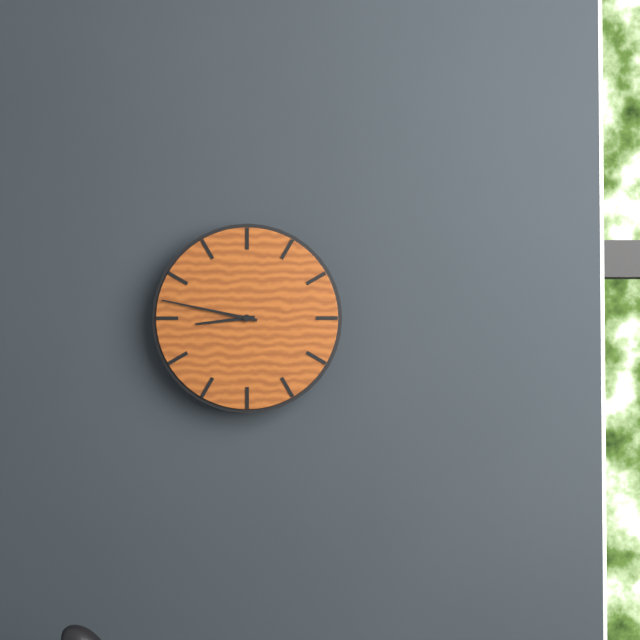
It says 8:47
